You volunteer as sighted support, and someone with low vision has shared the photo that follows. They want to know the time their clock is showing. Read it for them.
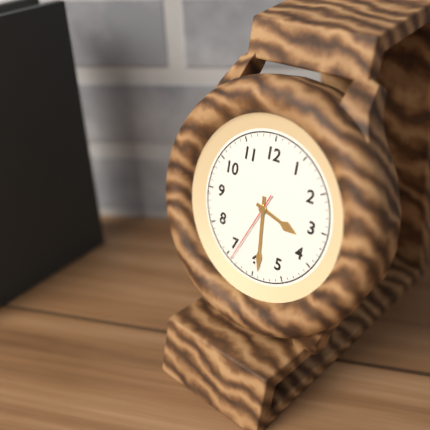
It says 3:29:34
